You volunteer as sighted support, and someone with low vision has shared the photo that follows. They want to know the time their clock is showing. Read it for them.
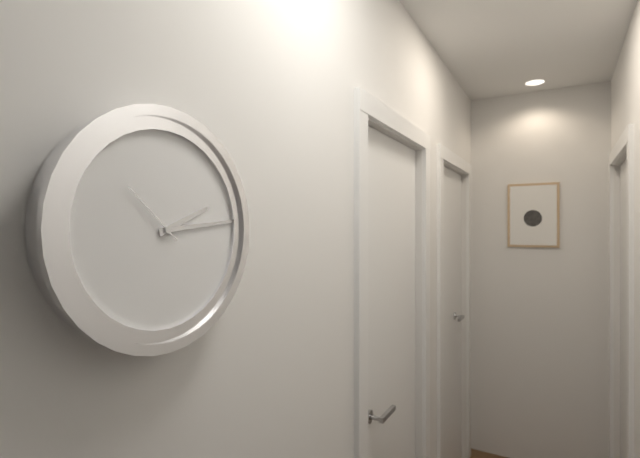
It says 2:14:52
